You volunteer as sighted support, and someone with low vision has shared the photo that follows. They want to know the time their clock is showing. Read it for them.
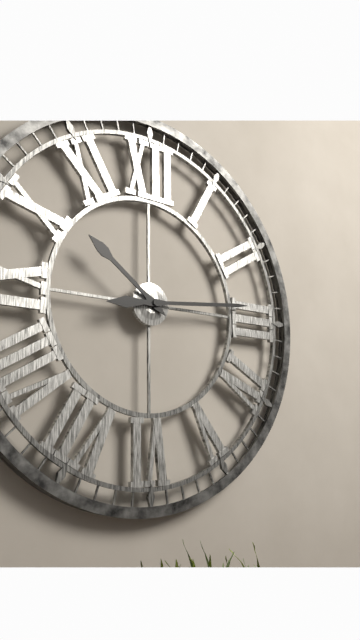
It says 10:14
